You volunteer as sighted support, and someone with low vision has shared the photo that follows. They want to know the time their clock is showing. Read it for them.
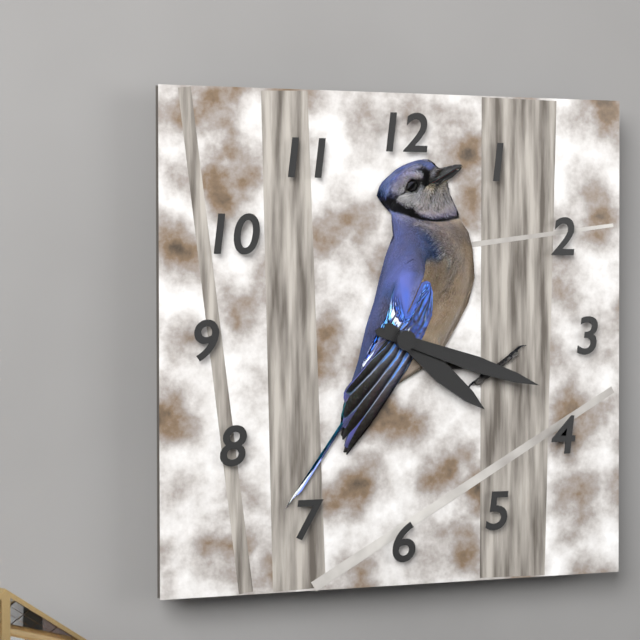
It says 4:18
